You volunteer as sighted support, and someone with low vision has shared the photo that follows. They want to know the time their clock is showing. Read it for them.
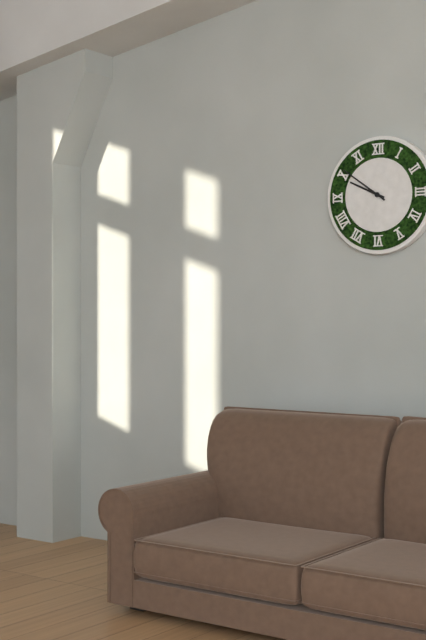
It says 9:51
